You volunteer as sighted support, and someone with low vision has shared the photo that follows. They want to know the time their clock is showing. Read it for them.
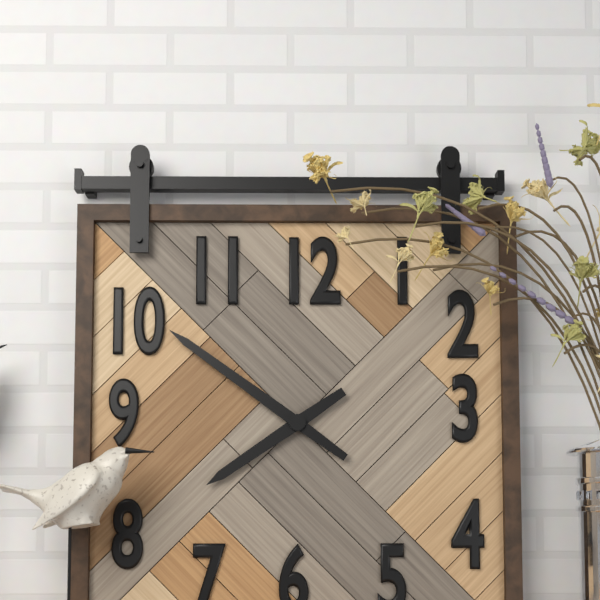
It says 7:51
